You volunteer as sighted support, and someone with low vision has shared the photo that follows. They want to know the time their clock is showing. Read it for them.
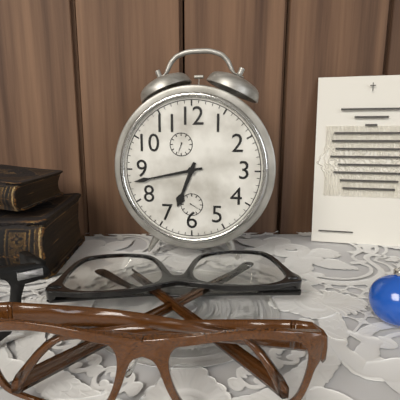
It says 6:43
